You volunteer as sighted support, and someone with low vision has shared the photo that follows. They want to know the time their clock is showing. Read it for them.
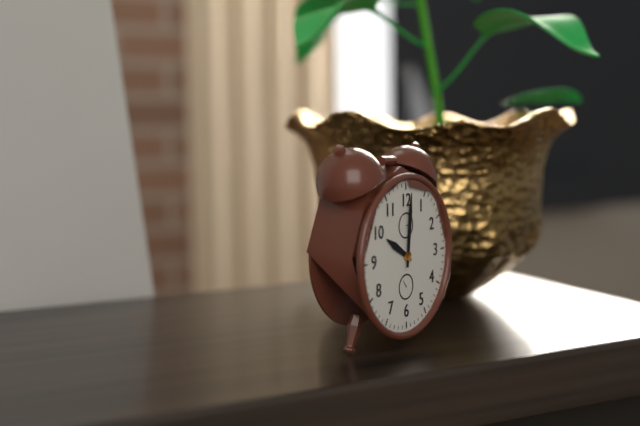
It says 10:01
